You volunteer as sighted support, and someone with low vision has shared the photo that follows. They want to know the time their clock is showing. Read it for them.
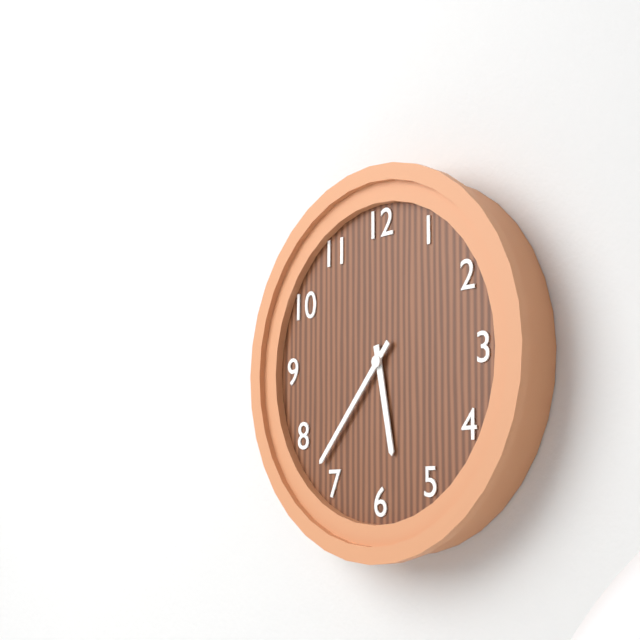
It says 5:37
